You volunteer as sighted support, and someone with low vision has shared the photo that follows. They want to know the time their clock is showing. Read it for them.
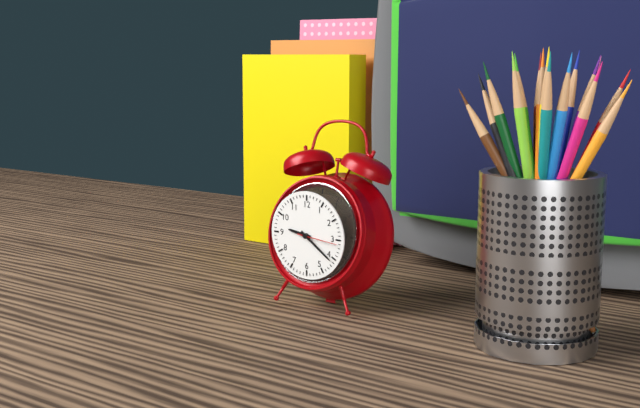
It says 9:21
